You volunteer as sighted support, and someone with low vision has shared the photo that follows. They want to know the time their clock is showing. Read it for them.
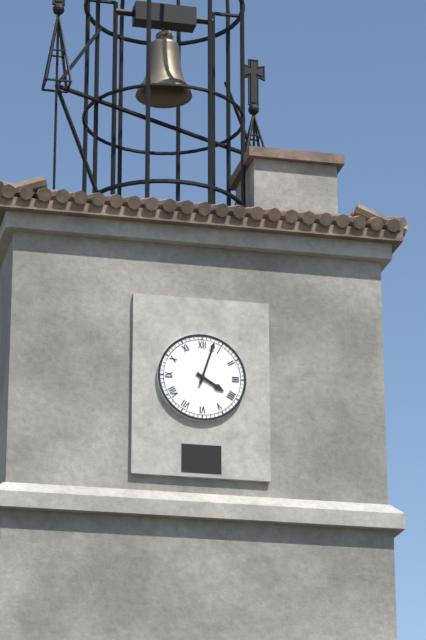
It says 4:03
